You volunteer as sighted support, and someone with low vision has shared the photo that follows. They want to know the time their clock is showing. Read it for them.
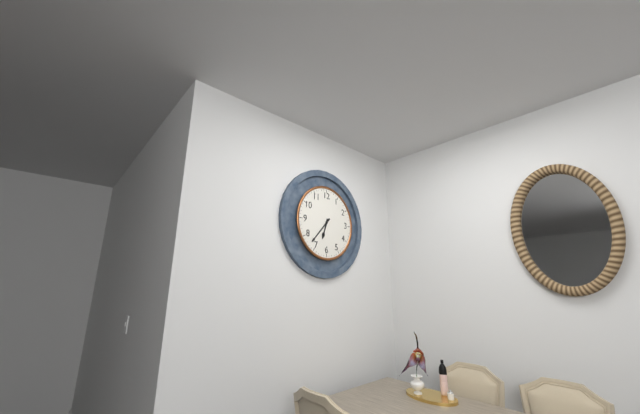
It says 6:37
